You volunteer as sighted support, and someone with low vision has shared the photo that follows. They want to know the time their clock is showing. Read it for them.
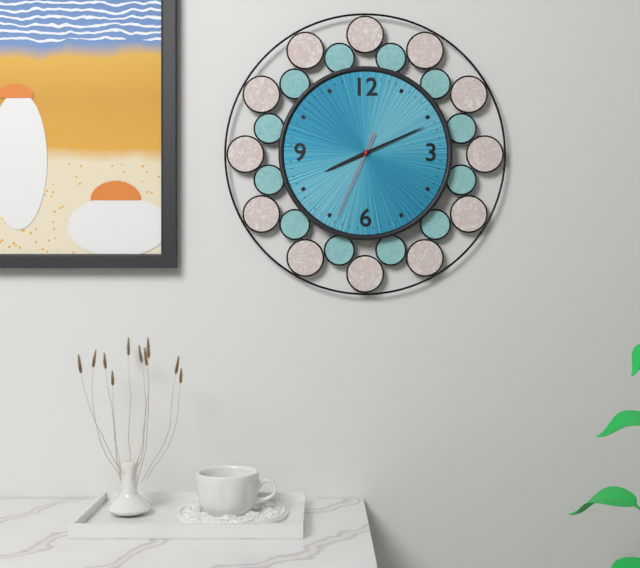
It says 8:11:34
